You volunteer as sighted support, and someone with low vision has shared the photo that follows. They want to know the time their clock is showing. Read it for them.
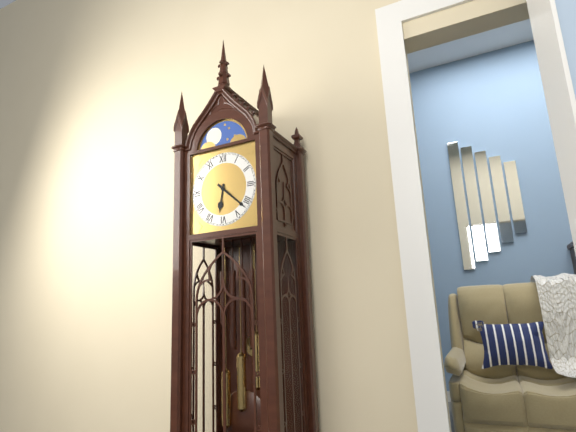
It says 6:22
